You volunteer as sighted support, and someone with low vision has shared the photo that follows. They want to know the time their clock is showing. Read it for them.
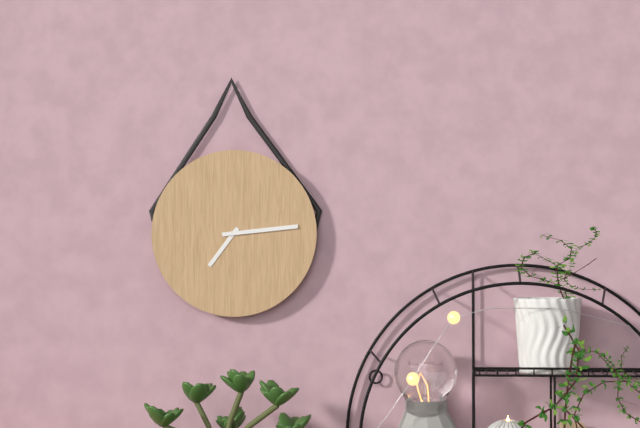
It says 7:14
